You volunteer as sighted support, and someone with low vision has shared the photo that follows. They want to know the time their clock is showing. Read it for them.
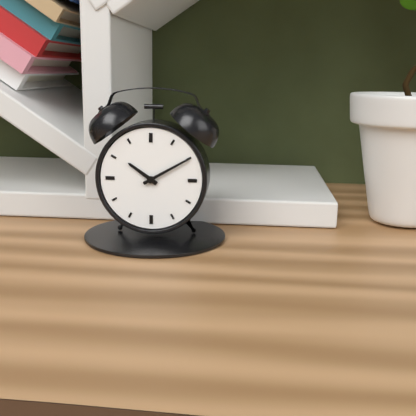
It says 10:10
